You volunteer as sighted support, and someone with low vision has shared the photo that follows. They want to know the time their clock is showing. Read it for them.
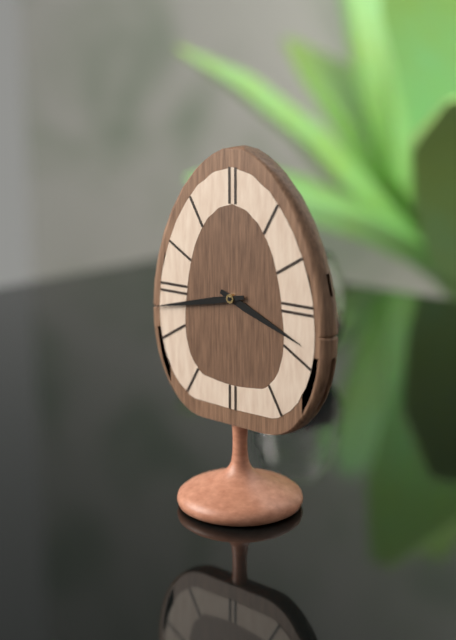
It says 3:43
